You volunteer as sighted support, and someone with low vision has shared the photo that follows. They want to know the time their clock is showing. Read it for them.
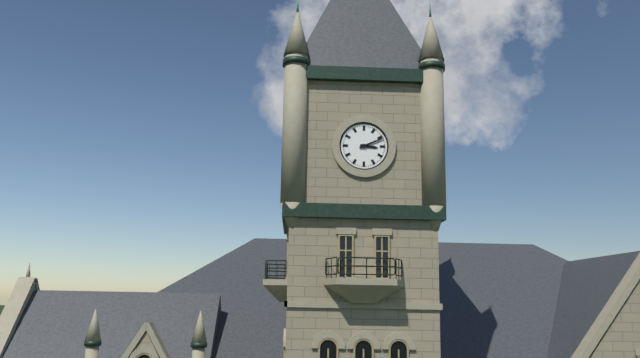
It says 3:11
